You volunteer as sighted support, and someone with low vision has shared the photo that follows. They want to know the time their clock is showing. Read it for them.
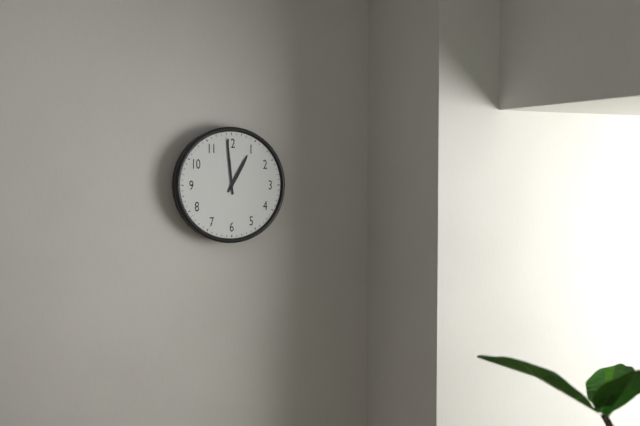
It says 12:59
